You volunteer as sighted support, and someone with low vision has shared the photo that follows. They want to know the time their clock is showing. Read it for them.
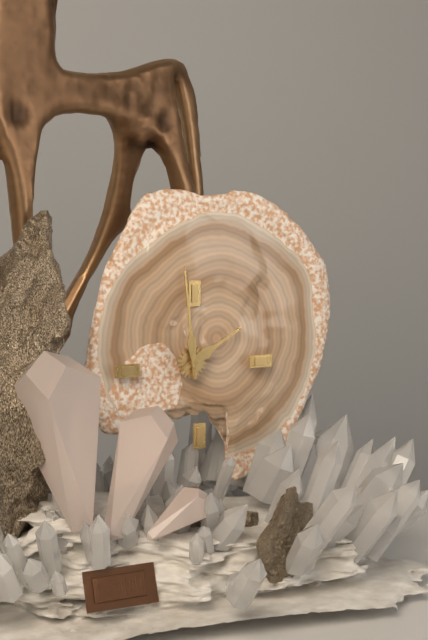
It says 1:59
